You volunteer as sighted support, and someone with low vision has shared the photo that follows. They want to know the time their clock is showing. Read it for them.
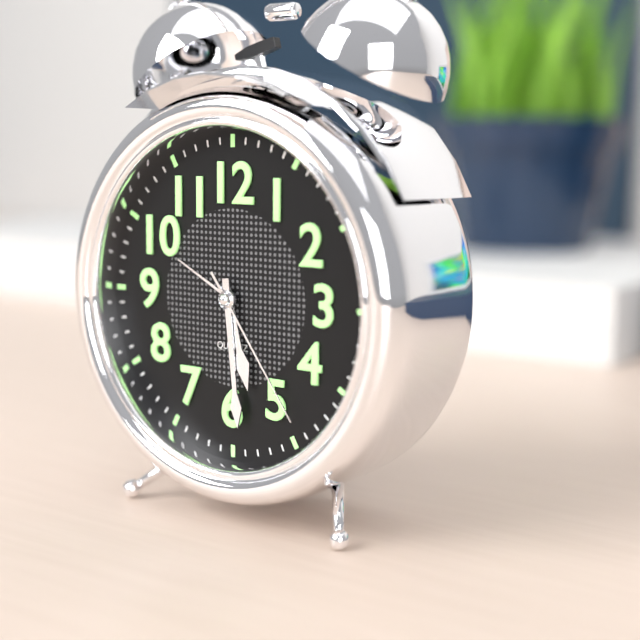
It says 5:29:24
